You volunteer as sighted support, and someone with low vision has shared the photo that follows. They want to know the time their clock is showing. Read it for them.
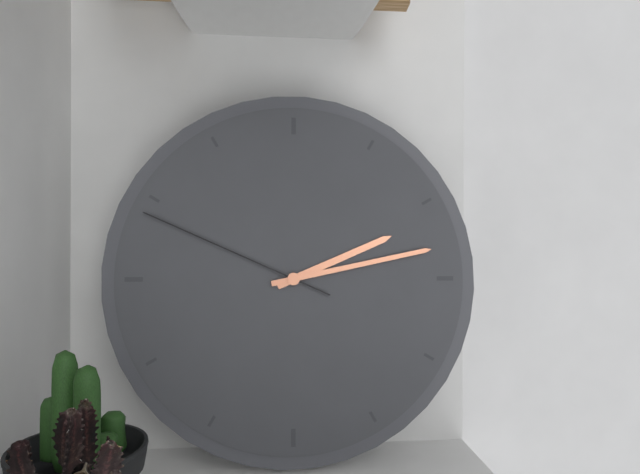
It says 2:13:49
